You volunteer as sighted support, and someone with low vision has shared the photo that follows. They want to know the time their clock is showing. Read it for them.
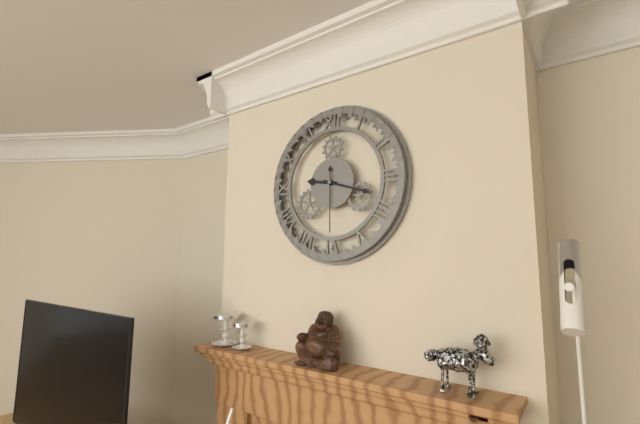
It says 9:18:30
